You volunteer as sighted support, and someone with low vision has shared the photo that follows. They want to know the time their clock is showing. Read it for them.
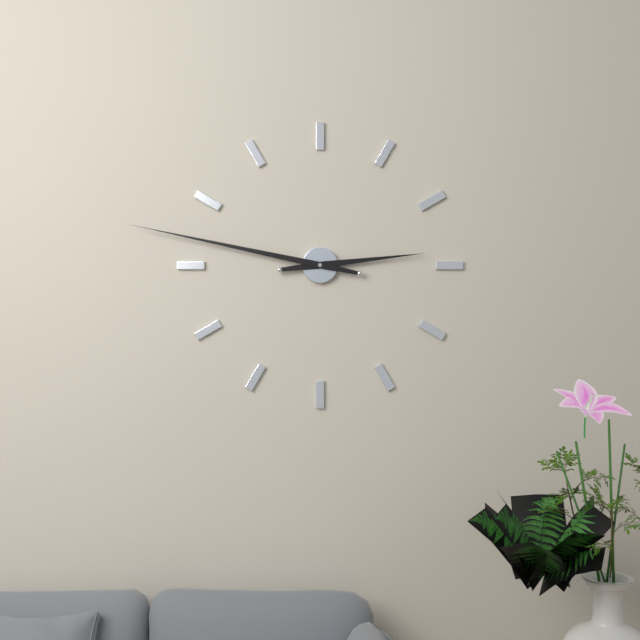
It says 2:47
